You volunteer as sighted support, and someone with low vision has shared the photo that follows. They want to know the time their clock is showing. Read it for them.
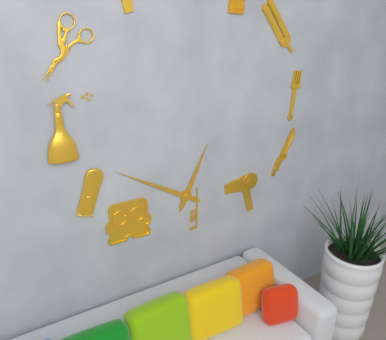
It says 12:50
